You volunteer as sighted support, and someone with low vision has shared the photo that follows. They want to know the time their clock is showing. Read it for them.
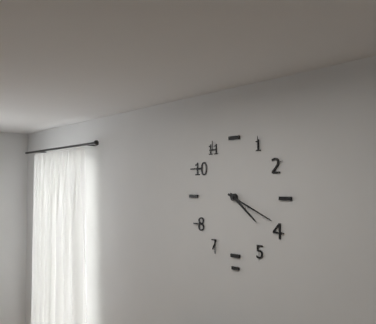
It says 4:19
